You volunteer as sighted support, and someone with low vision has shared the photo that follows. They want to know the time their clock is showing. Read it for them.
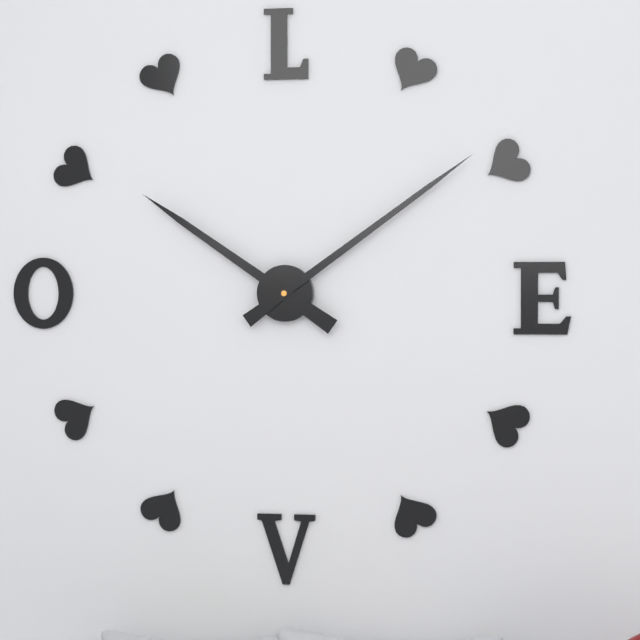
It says 10:09
